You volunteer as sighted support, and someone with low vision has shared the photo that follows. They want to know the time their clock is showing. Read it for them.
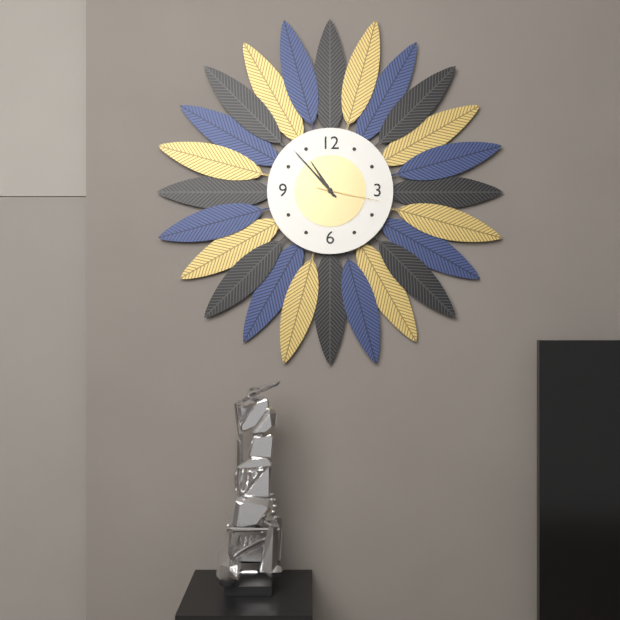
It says 10:53:17
